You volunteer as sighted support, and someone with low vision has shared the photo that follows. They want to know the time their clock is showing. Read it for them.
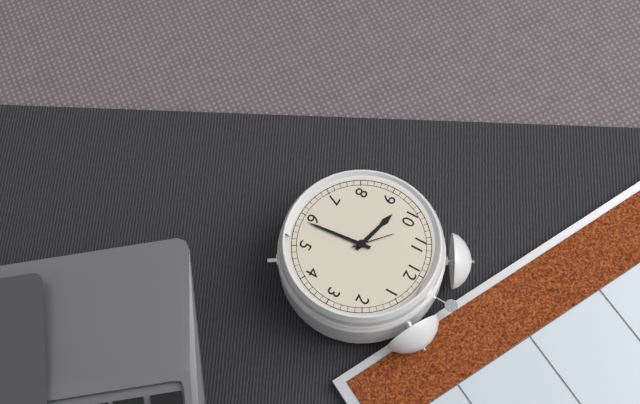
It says 9:29
